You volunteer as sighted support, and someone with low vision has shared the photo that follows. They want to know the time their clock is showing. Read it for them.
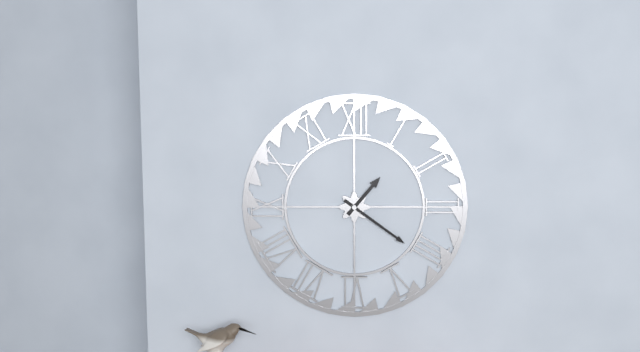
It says 1:21
